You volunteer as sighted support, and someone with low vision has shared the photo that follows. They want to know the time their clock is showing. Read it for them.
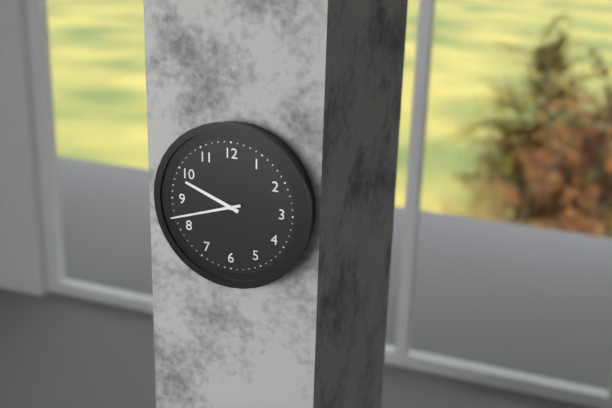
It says 9:42
